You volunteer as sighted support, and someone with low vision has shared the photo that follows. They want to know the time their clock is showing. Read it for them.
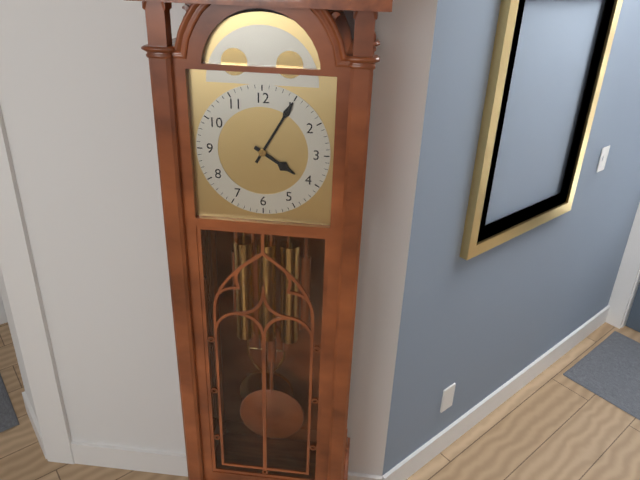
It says 4:05
